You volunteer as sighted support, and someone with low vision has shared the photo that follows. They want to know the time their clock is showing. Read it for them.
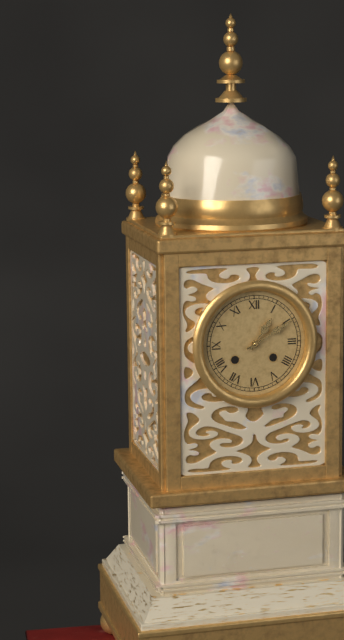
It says 1:10
